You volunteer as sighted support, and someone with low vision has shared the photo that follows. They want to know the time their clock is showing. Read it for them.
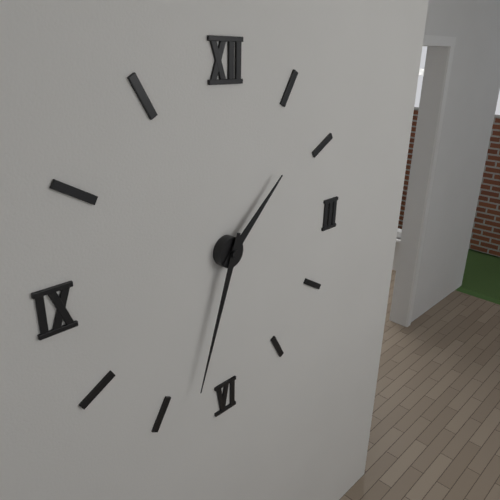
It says 1:33
